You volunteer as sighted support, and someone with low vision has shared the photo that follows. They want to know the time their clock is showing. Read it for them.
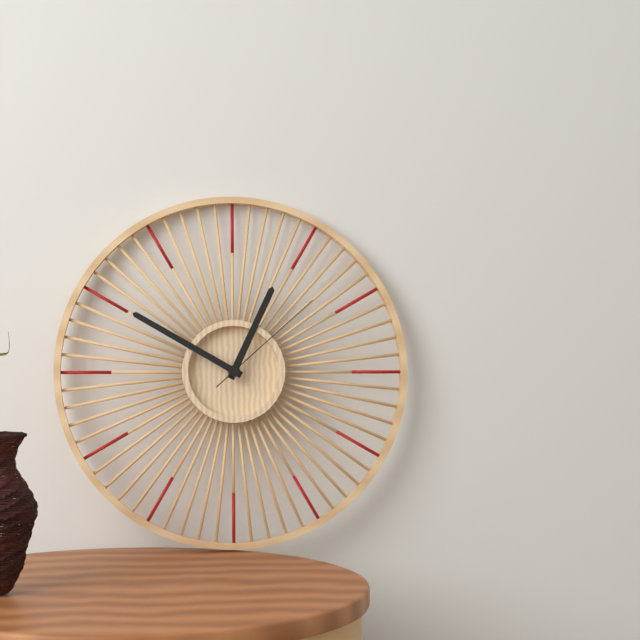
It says 12:50:08
